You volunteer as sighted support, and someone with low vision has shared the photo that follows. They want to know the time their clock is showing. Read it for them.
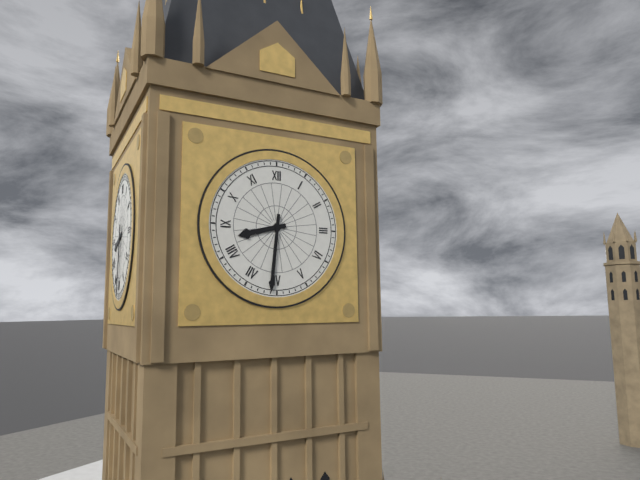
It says 8:31
